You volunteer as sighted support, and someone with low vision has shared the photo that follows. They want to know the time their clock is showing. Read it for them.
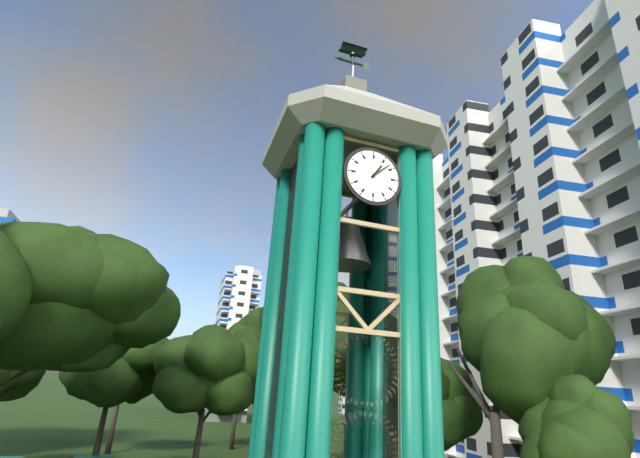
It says 1:08
